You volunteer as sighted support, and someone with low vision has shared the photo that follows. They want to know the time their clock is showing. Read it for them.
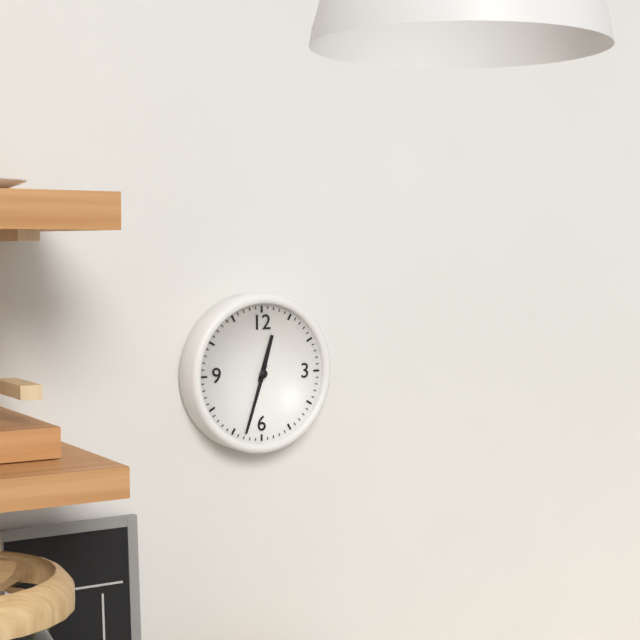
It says 12:33
